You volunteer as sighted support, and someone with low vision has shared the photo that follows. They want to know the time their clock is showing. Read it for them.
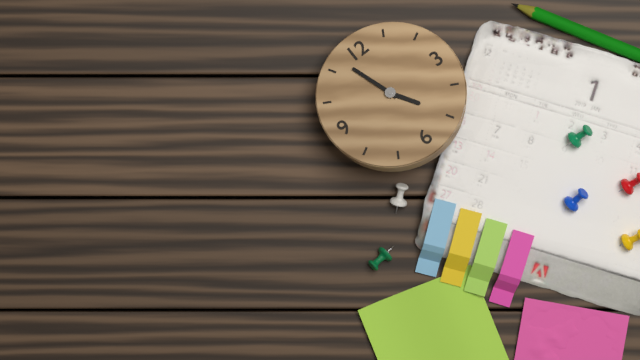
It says 4:57
